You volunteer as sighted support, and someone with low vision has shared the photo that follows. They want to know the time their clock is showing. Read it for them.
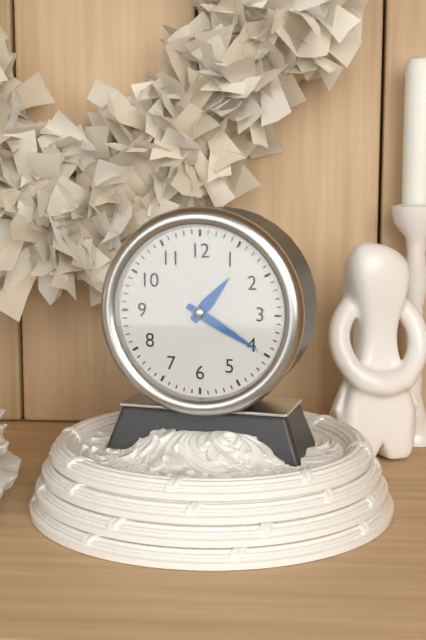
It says 1:20
